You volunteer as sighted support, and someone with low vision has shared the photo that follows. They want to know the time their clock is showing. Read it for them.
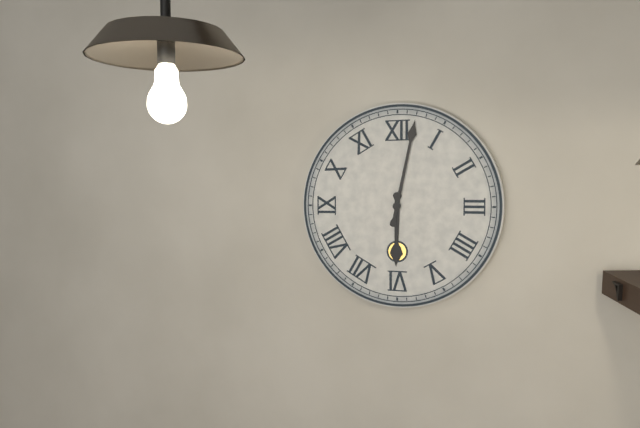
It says 6:02
